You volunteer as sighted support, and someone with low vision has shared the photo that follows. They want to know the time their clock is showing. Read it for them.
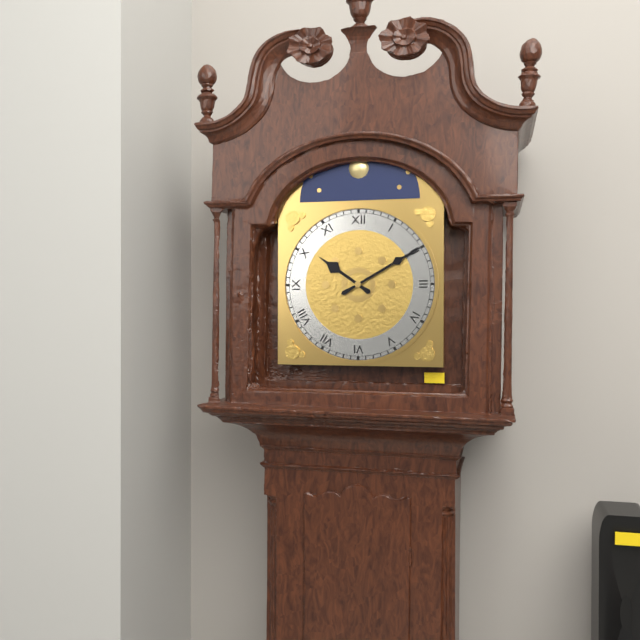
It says 10:10
